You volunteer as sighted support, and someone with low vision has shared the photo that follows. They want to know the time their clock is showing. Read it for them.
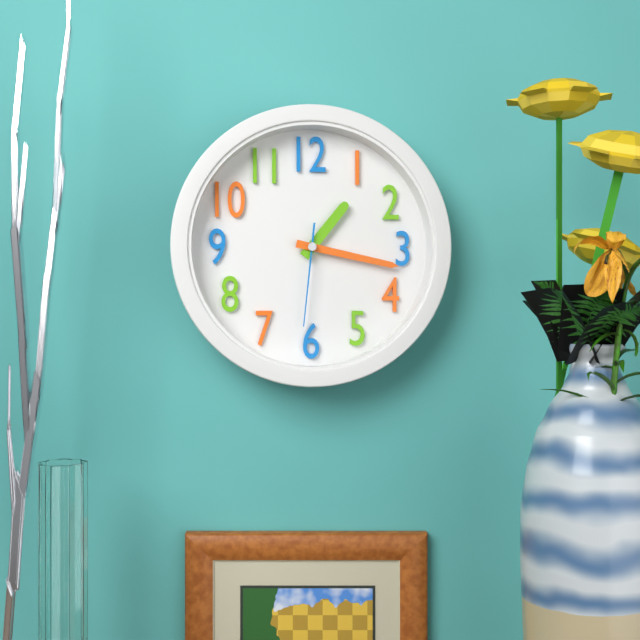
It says 1:17:31
